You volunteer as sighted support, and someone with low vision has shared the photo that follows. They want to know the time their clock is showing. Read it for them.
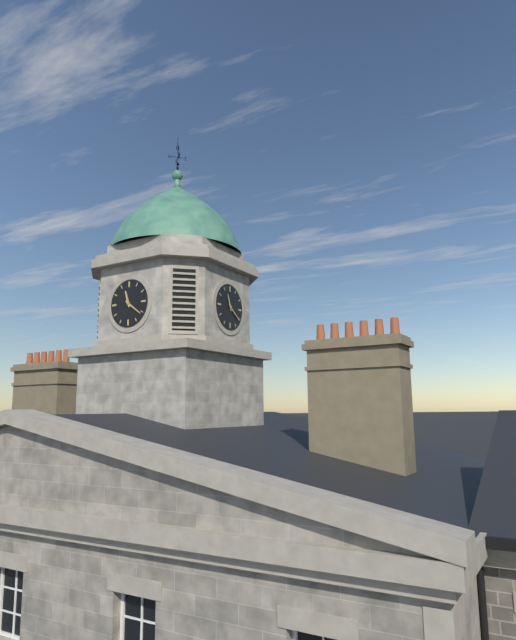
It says 11:21
